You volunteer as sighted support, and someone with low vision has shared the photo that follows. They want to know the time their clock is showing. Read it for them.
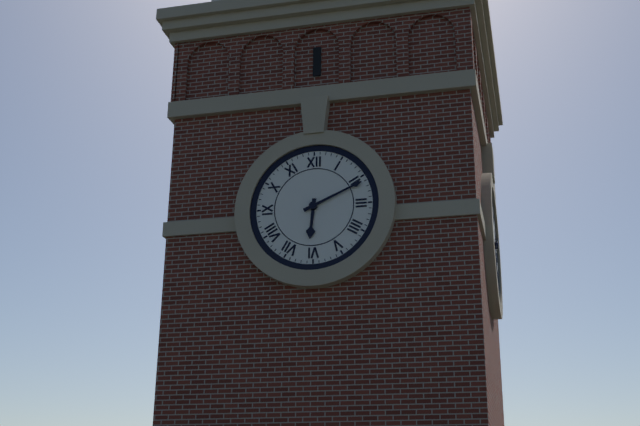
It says 6:11
